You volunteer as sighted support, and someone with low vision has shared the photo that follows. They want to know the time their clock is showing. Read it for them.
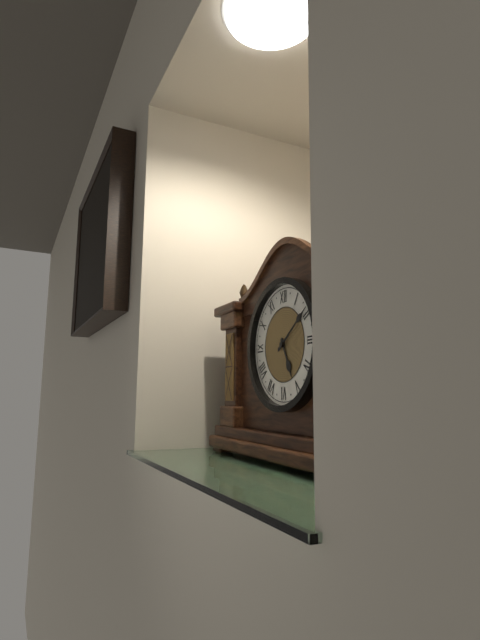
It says 5:09
